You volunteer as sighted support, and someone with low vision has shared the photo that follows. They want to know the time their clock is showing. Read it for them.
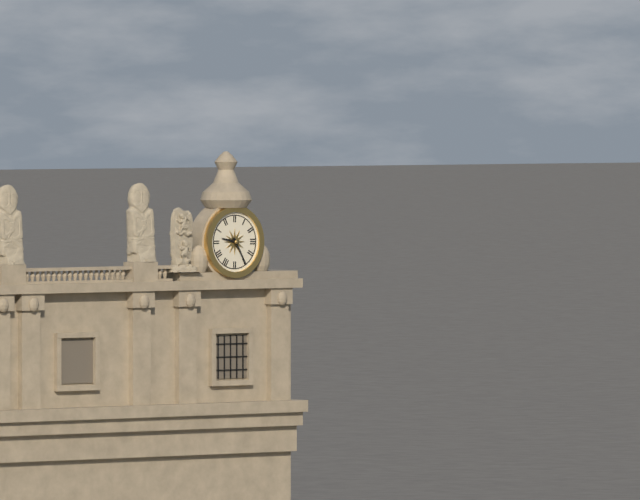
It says 9:25
